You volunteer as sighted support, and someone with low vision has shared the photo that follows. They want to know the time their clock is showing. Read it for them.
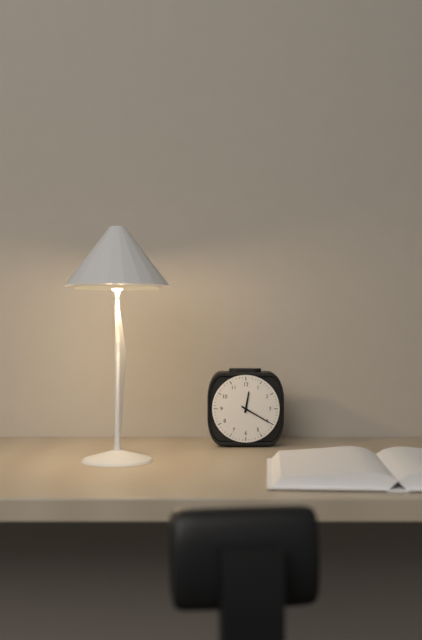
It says 12:20
